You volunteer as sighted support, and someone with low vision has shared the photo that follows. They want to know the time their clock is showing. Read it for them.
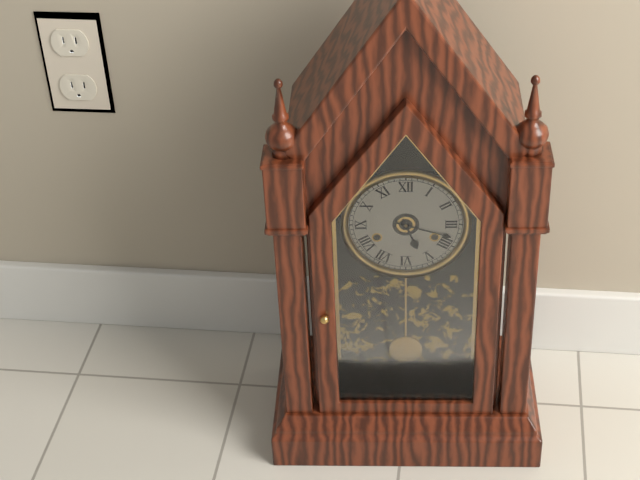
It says 5:18
